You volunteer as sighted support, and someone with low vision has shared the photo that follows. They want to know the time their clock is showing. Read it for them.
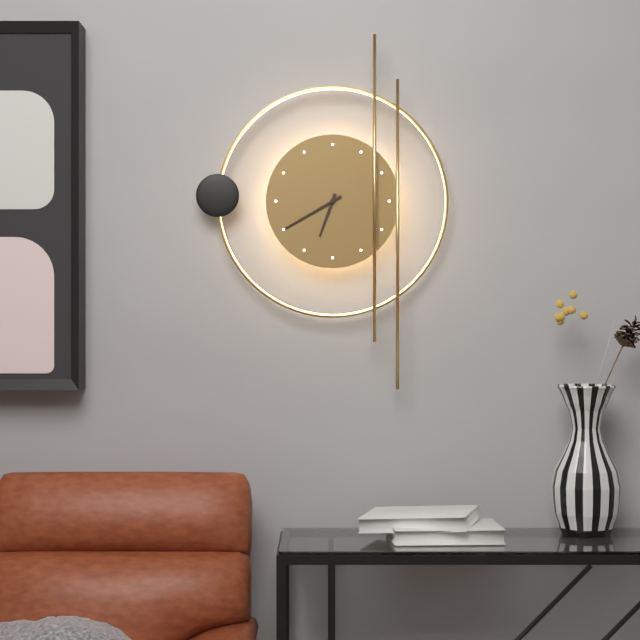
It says 6:40
